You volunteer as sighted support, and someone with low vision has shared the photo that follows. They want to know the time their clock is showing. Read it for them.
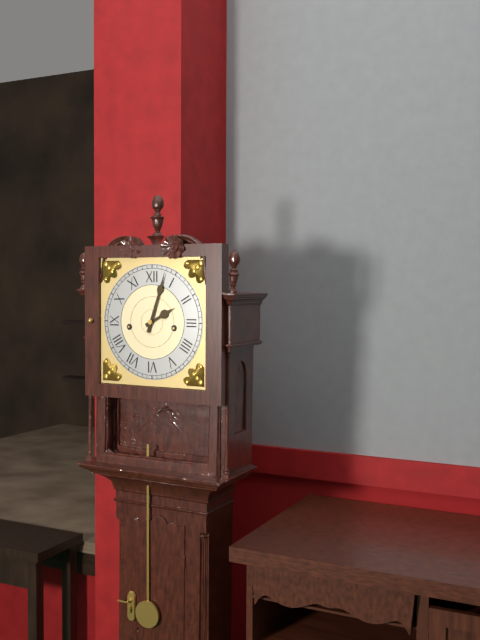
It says 2:03
